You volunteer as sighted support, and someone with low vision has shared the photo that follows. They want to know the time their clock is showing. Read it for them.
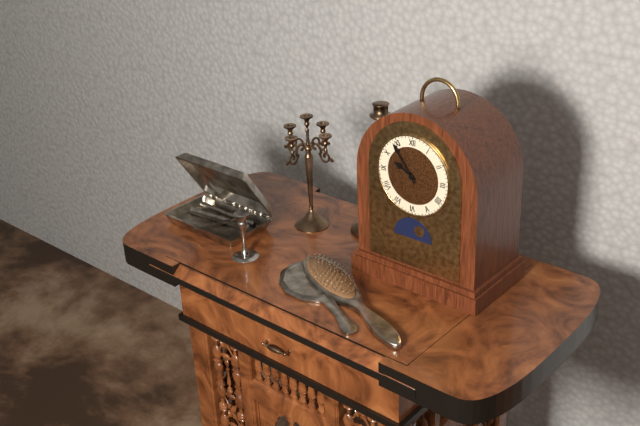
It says 9:54
